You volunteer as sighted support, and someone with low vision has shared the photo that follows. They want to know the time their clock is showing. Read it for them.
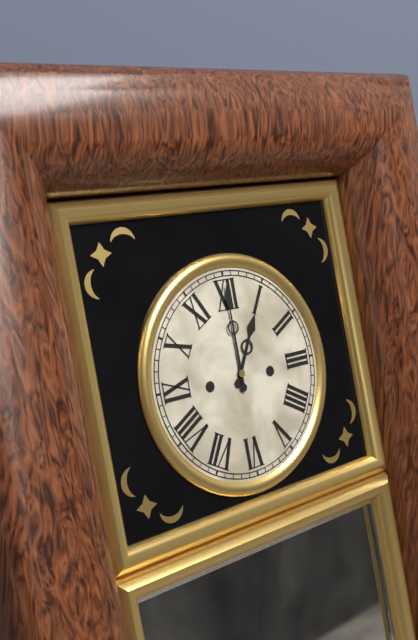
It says 1:00
